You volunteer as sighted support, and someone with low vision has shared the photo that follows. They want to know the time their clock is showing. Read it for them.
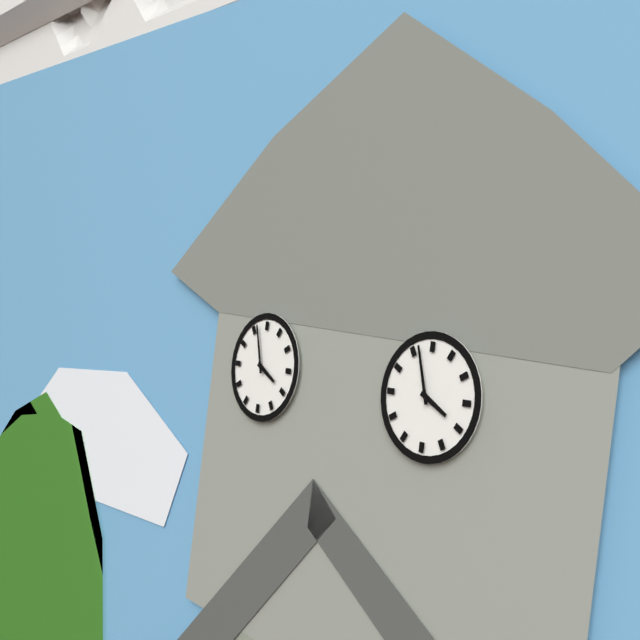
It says 3:57
